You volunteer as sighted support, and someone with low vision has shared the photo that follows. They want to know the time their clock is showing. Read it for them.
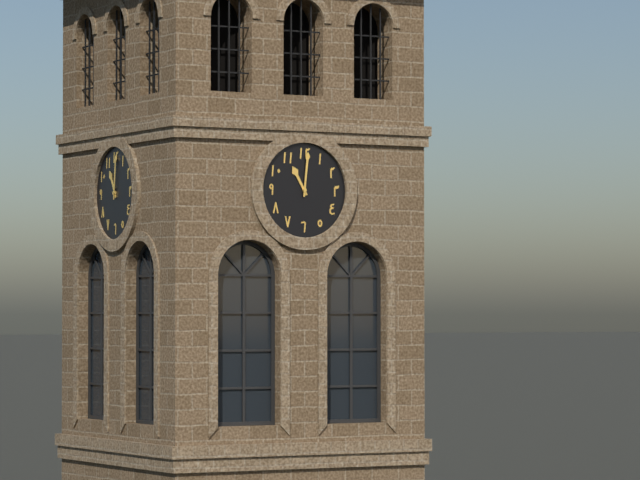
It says 11:01
